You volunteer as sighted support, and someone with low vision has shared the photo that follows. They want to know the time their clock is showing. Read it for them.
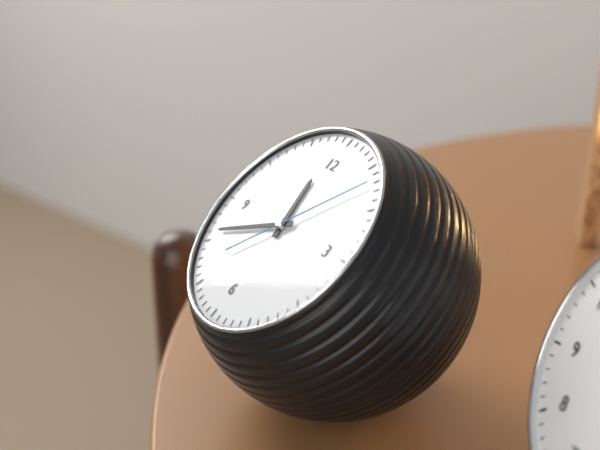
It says 11:41:07
